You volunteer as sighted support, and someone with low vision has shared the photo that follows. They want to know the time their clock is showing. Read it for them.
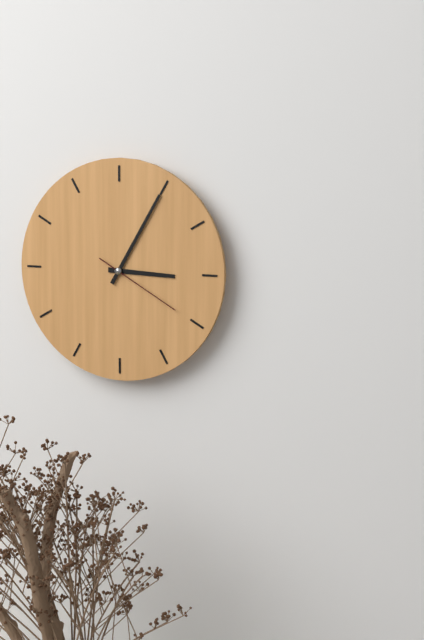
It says 3:05:20
